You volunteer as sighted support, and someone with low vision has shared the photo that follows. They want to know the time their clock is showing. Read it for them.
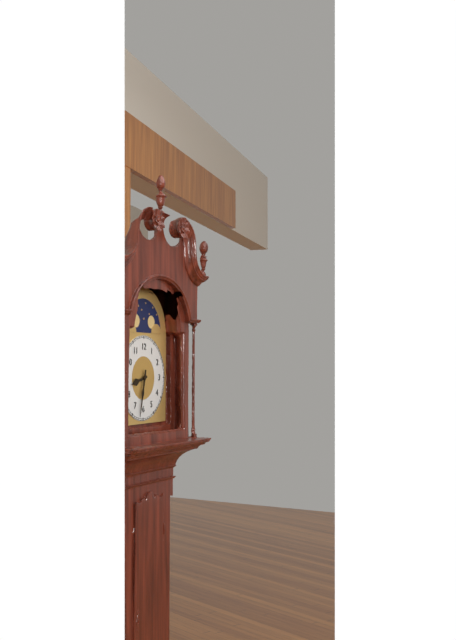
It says 8:32
